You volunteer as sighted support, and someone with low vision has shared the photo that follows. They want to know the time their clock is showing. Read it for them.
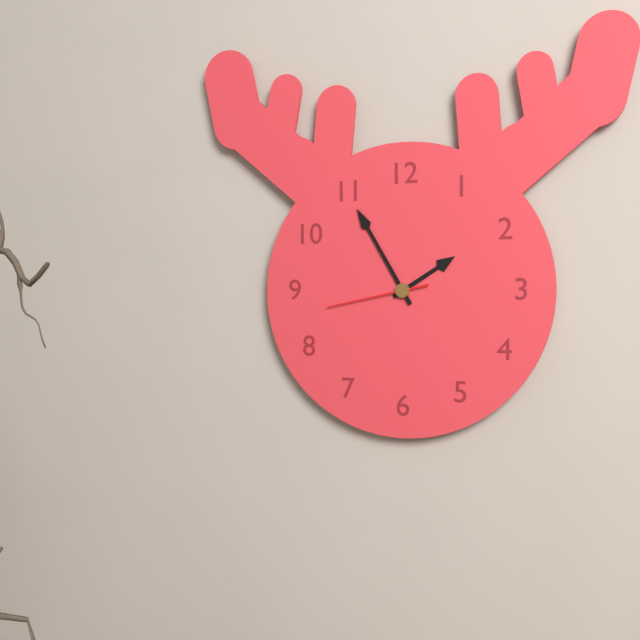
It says 1:55:43
